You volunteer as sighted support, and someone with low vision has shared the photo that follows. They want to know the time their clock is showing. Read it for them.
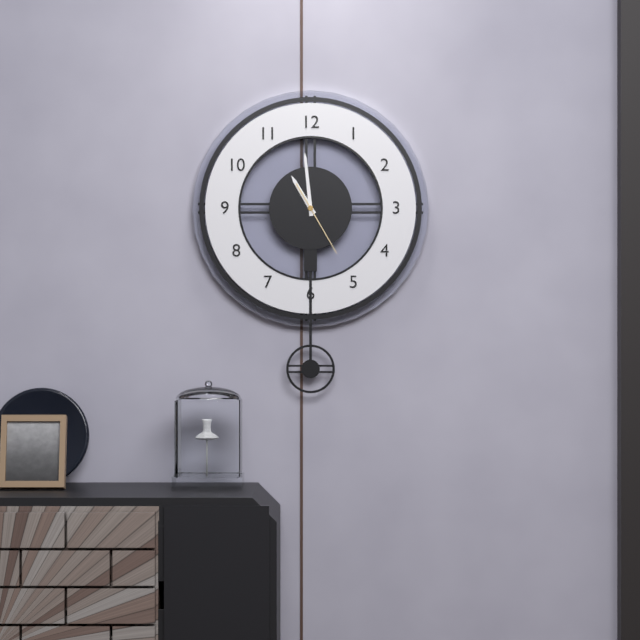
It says 10:59:25
